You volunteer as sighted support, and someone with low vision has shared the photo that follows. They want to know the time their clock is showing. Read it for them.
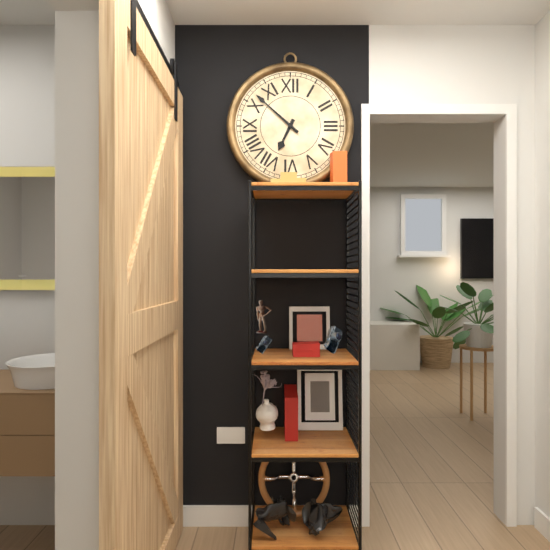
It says 6:52
